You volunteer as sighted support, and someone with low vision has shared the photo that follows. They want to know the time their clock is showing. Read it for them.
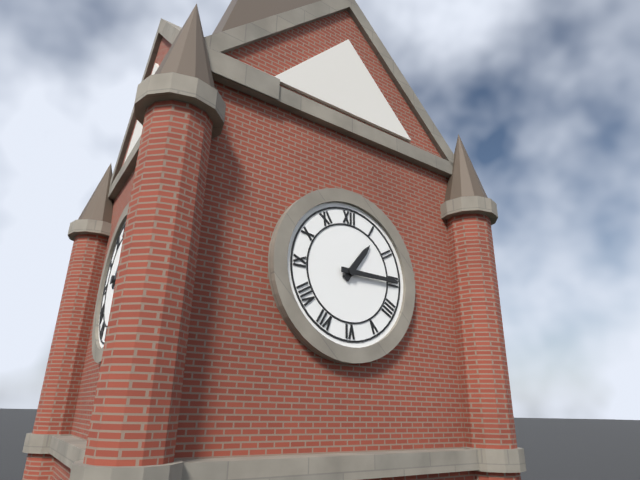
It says 1:15
